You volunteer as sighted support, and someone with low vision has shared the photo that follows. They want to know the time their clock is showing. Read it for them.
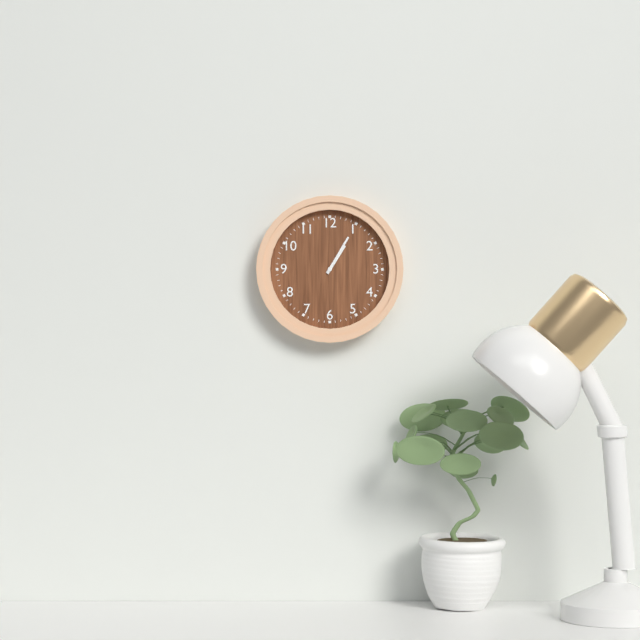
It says 1:05
